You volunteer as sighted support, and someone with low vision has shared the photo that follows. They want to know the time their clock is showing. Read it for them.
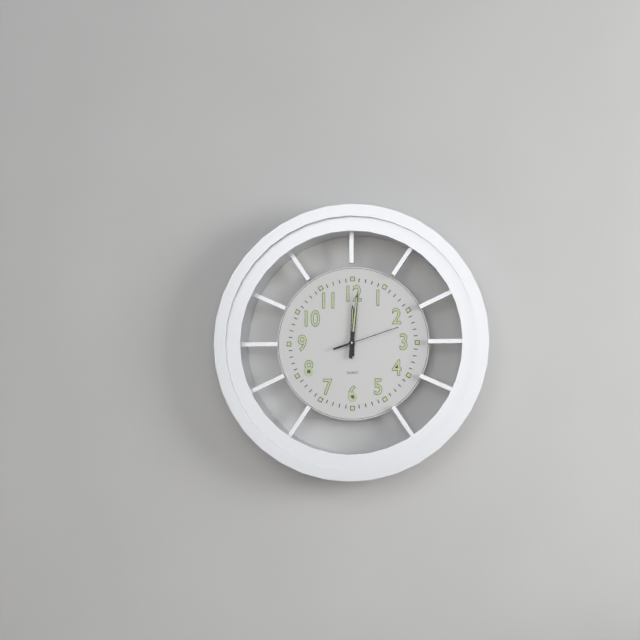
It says 12:01:12
